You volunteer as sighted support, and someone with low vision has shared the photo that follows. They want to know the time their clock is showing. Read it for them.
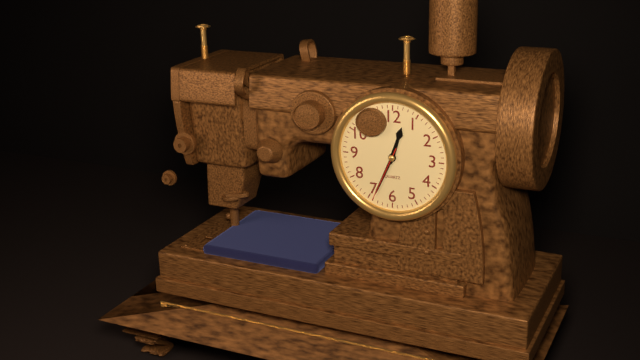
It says 12:34:34
